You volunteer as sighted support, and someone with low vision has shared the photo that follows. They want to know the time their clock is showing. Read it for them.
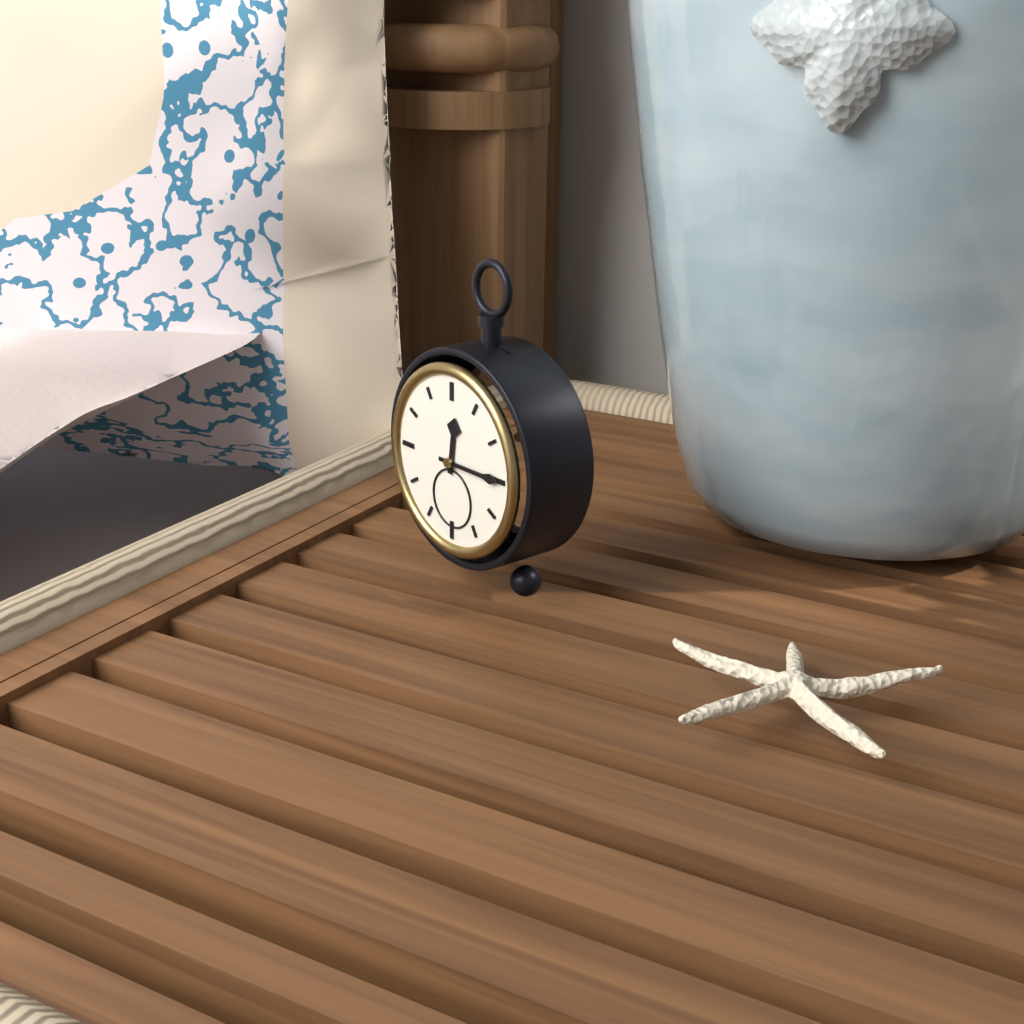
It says 12:15
